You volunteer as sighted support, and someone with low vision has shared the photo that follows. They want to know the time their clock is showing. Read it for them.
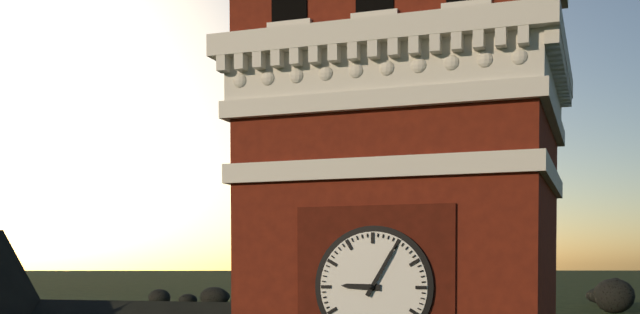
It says 9:05
